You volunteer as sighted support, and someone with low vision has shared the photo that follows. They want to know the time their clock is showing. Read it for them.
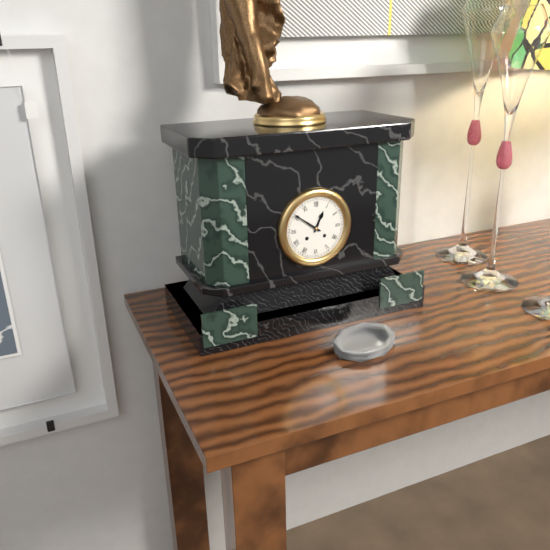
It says 12:51
